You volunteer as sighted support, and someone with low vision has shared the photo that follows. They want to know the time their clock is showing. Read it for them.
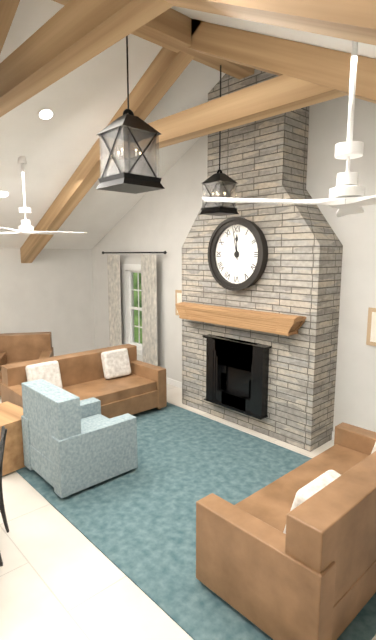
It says 11:58
